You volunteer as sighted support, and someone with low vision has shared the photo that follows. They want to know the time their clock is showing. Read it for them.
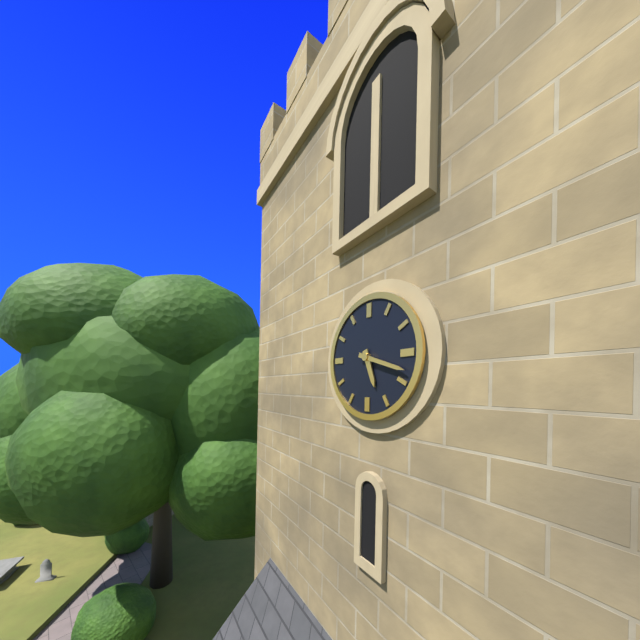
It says 5:18
